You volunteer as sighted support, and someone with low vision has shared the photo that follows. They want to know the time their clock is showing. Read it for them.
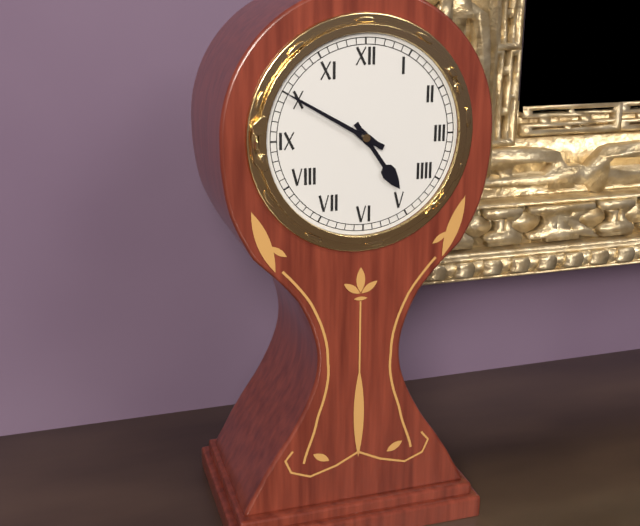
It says 4:50
